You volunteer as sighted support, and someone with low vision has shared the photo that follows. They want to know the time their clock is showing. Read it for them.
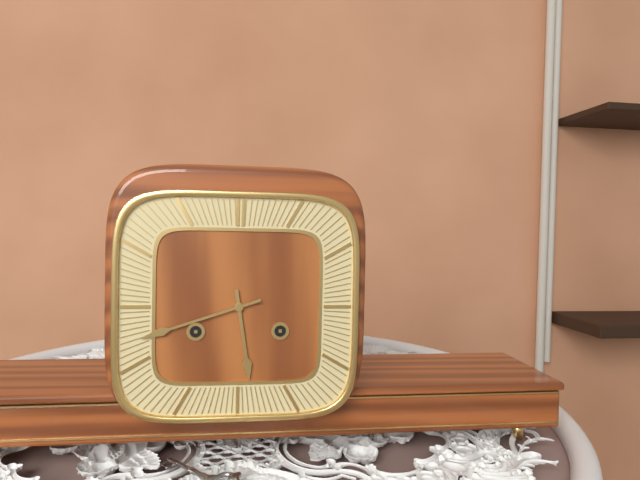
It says 5:42
